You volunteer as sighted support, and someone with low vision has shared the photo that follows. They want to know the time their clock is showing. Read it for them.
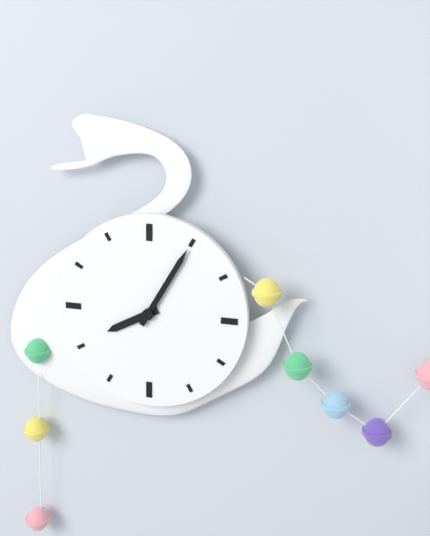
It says 8:05
